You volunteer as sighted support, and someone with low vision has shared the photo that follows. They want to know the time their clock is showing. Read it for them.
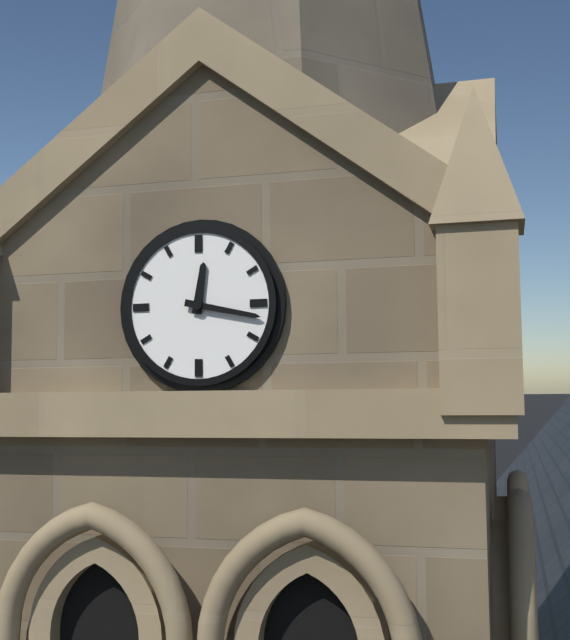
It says 12:17
